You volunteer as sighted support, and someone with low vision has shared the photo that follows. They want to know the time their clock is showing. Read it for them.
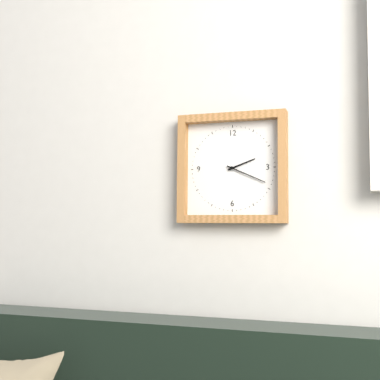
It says 2:19
